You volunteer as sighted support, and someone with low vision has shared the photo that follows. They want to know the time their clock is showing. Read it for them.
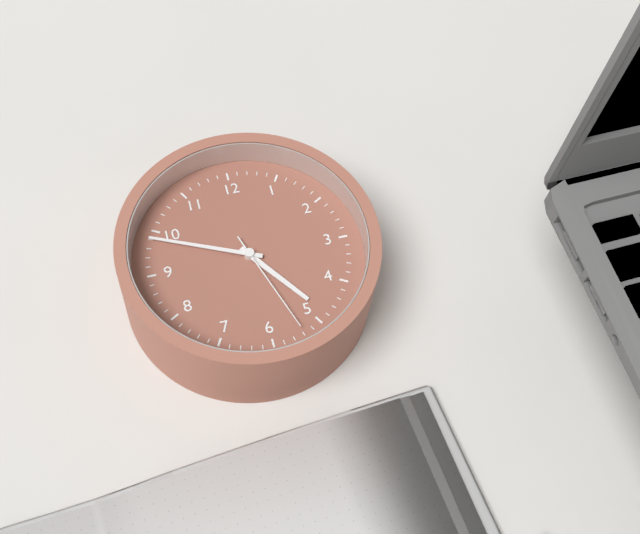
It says 4:49:27
